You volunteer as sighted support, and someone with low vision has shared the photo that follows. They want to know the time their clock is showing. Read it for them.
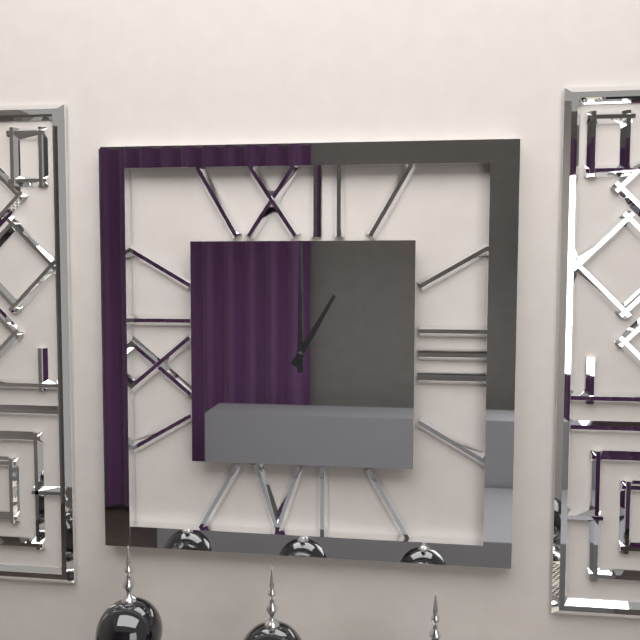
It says 1:00
